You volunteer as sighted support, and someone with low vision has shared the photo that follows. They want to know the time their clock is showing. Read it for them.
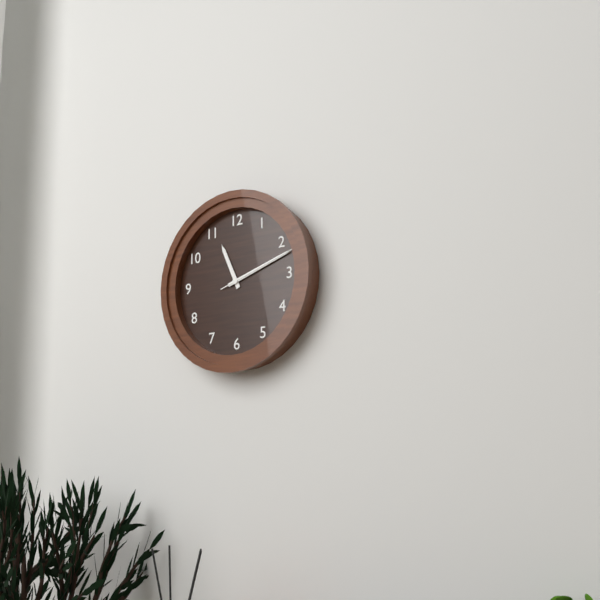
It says 11:12:12
